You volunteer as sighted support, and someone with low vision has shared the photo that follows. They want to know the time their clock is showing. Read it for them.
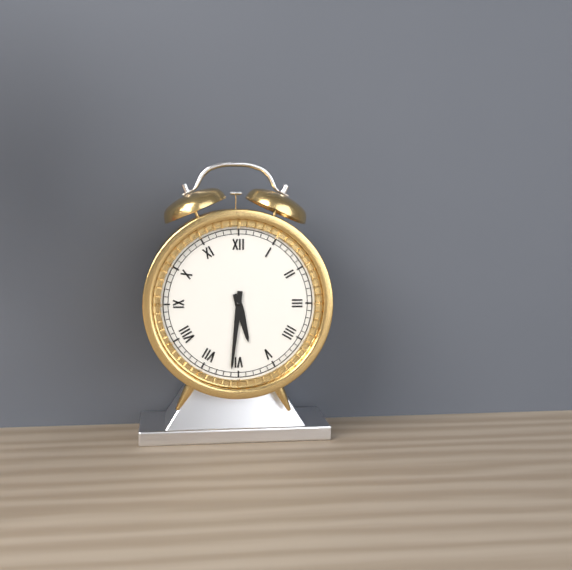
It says 5:31
